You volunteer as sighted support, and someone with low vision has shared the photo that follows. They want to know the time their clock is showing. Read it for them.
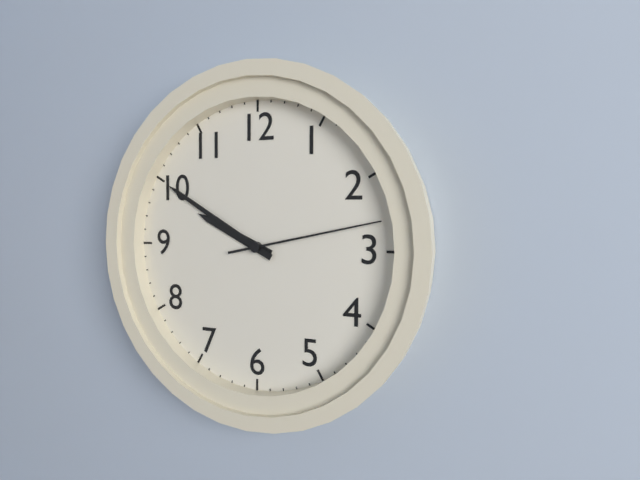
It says 9:50:13
